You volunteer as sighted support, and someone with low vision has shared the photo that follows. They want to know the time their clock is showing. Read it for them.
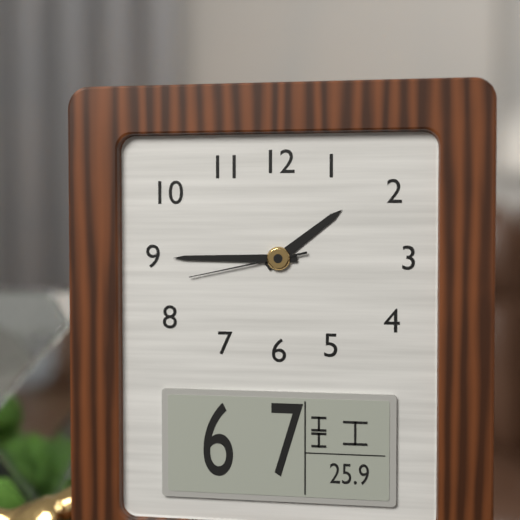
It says 1:45:43
